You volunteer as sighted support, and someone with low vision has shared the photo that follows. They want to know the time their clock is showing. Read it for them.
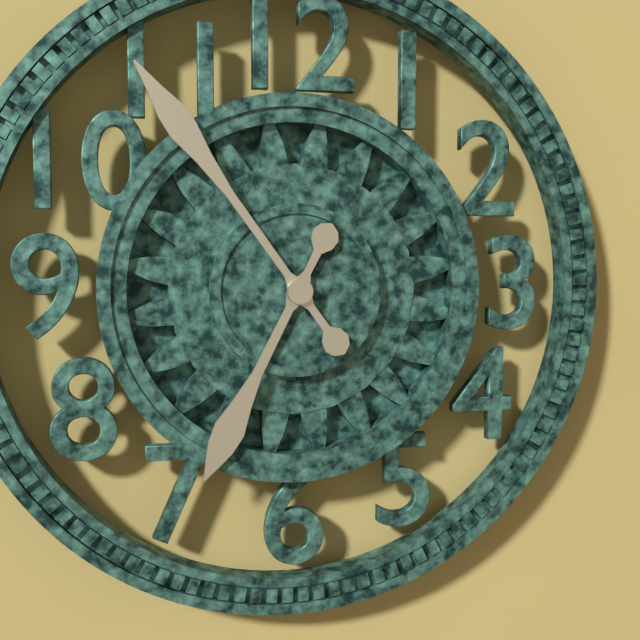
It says 6:54
